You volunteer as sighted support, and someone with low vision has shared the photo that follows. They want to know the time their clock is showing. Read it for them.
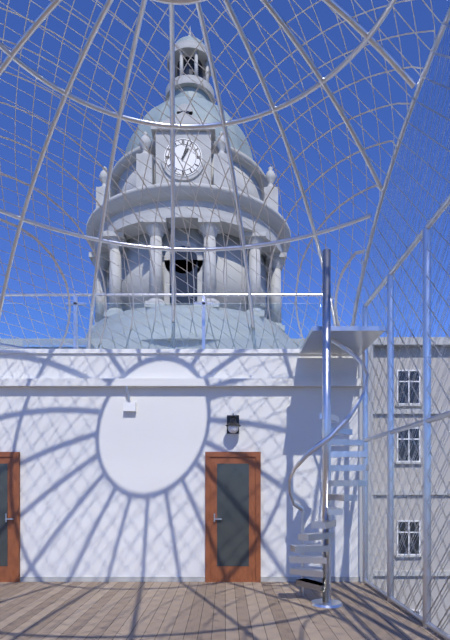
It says 1:03
